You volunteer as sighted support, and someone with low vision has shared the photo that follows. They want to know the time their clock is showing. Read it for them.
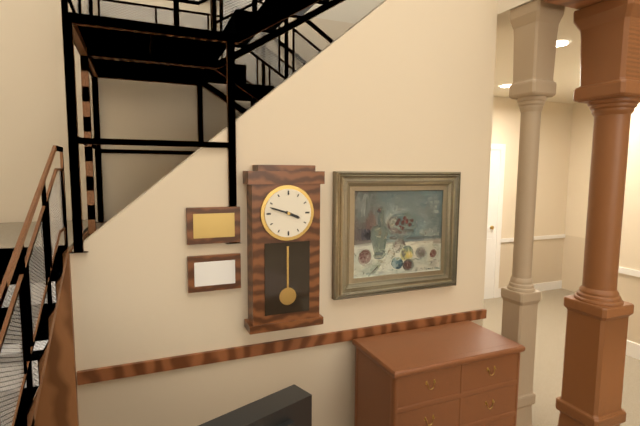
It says 3:48
